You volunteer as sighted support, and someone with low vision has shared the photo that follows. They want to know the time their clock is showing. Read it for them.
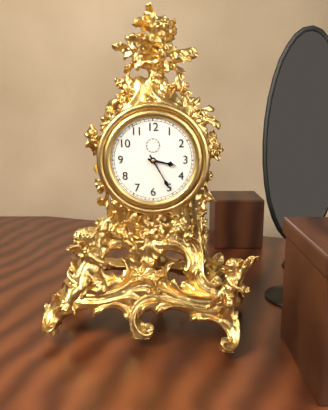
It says 3:25
